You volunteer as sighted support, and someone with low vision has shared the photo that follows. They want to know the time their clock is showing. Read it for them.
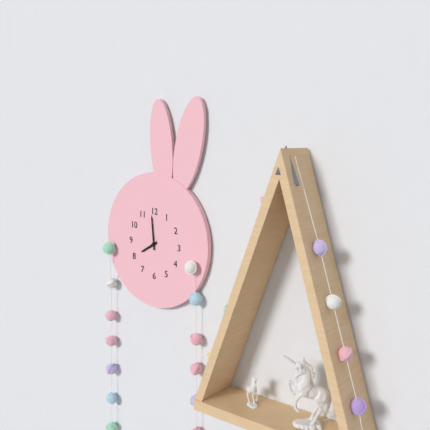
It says 7:59
